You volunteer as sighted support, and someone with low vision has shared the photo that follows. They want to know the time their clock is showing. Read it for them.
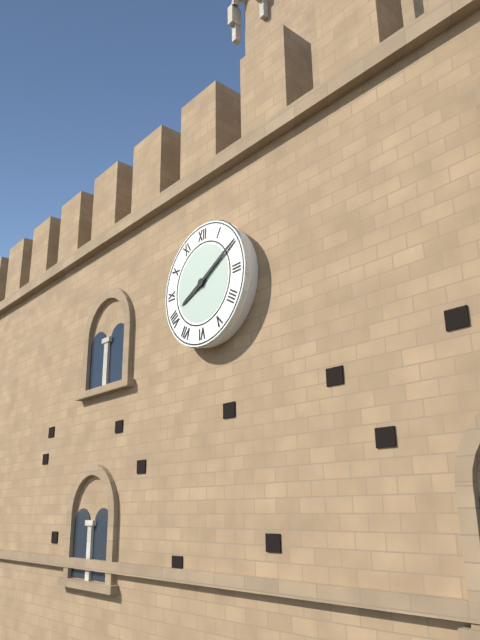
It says 8:10
